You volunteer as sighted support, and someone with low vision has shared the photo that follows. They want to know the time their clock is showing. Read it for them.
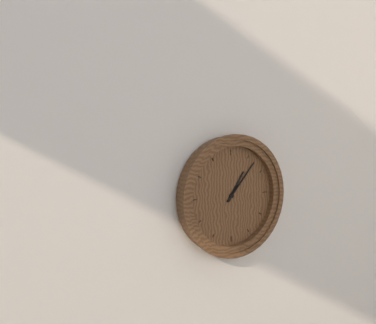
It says 1:07
